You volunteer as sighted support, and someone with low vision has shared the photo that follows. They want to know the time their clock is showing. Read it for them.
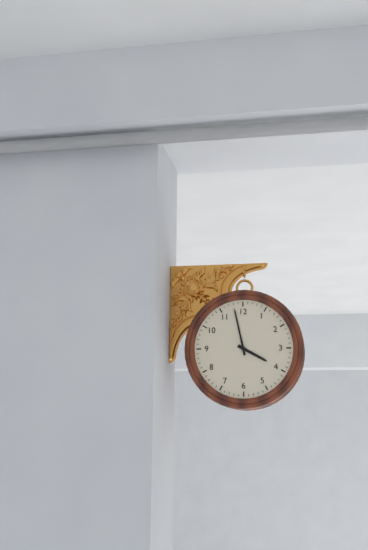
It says 3:58
